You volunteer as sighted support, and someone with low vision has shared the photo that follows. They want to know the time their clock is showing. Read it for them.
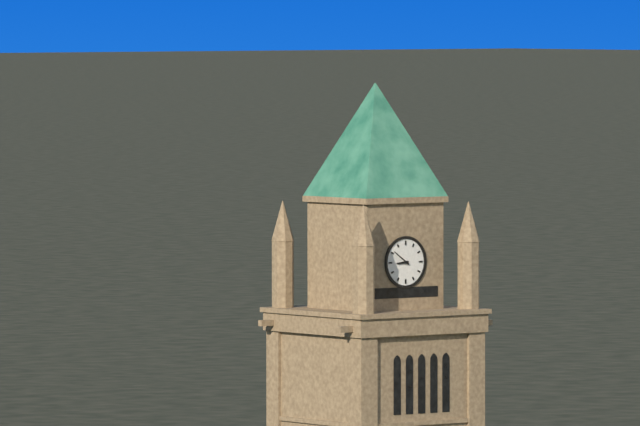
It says 8:51
